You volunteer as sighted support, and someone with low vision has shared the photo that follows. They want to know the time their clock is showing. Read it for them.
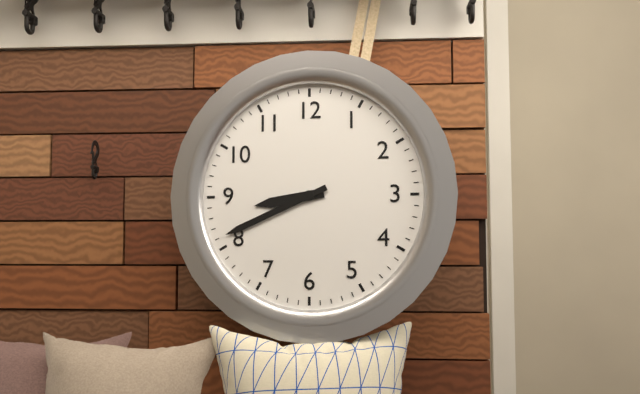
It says 8:41
